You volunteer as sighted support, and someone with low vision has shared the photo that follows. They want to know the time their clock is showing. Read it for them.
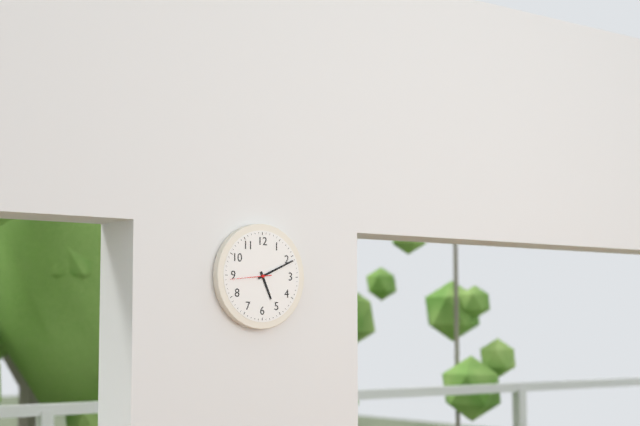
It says 5:11
